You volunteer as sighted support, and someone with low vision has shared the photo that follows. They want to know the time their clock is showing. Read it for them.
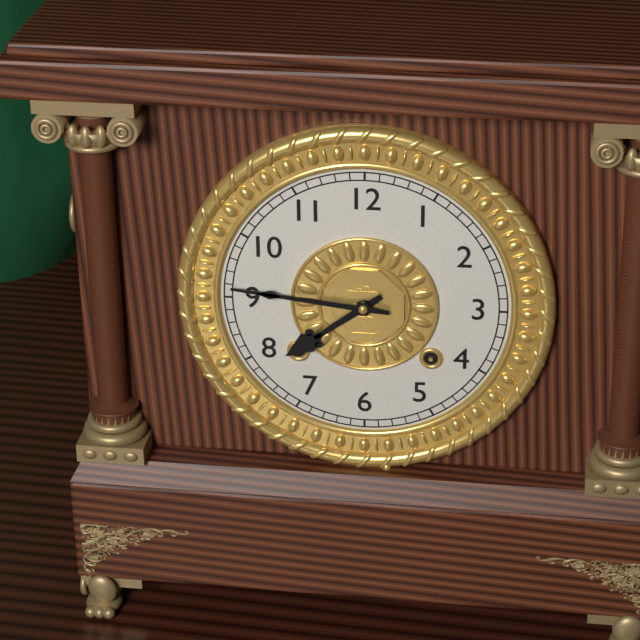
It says 7:46
